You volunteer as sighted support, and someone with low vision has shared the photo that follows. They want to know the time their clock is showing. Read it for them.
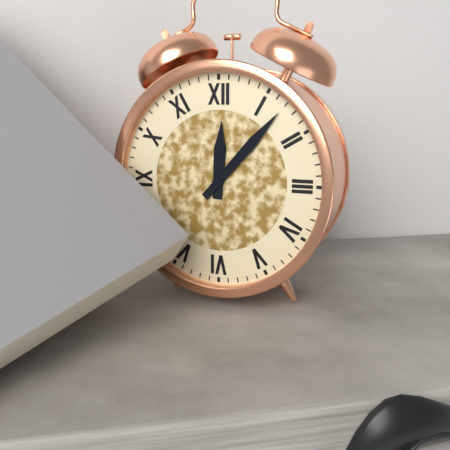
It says 12:07
